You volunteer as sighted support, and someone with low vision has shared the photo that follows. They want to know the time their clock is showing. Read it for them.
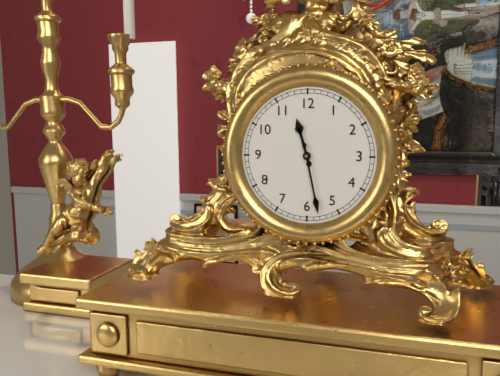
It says 11:28
